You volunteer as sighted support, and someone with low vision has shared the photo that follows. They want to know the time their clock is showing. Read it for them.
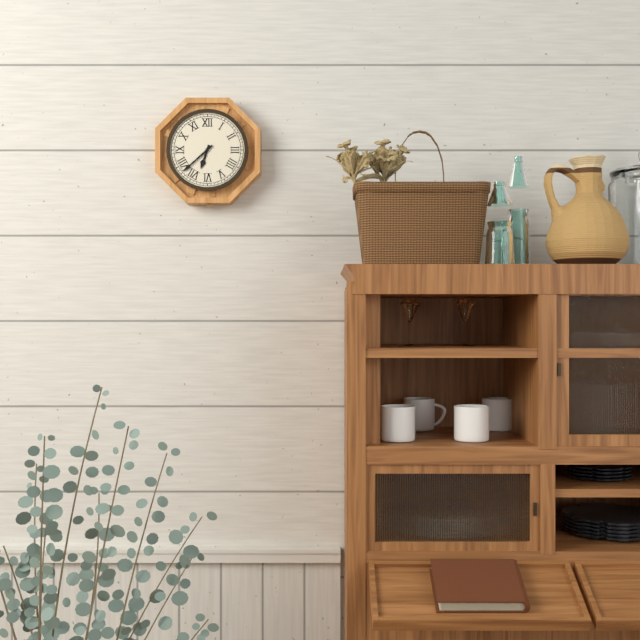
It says 6:38
